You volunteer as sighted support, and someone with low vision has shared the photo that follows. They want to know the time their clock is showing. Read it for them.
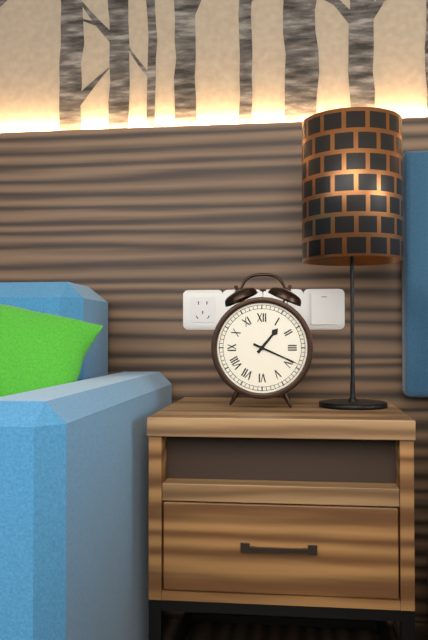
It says 1:19
